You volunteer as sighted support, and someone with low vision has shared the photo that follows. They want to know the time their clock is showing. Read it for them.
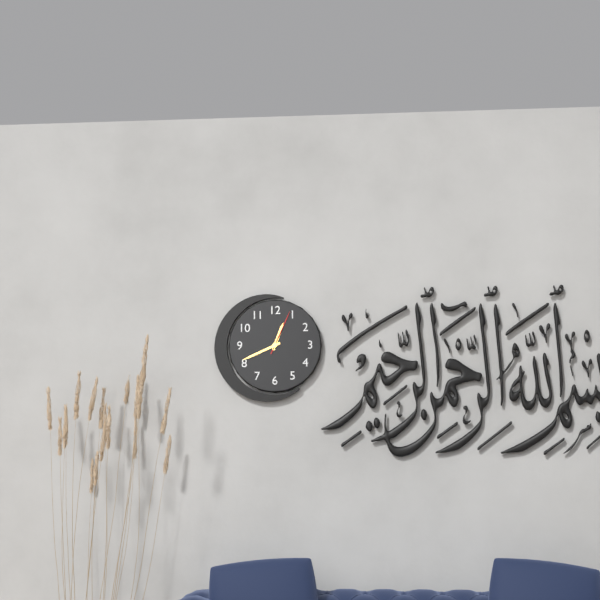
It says 12:41
